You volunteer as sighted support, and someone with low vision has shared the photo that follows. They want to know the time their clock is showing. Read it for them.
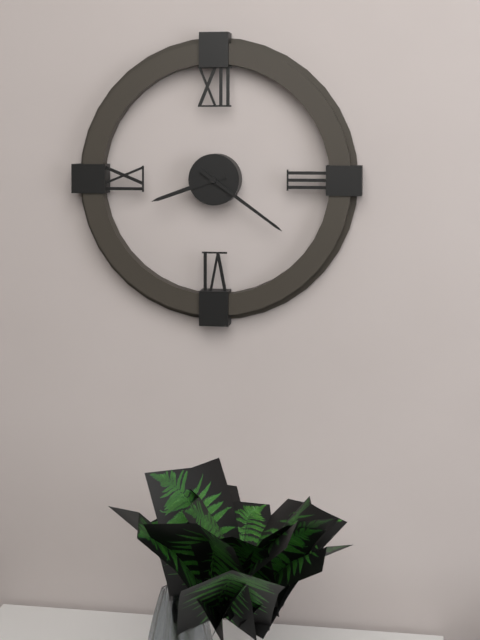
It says 8:21
